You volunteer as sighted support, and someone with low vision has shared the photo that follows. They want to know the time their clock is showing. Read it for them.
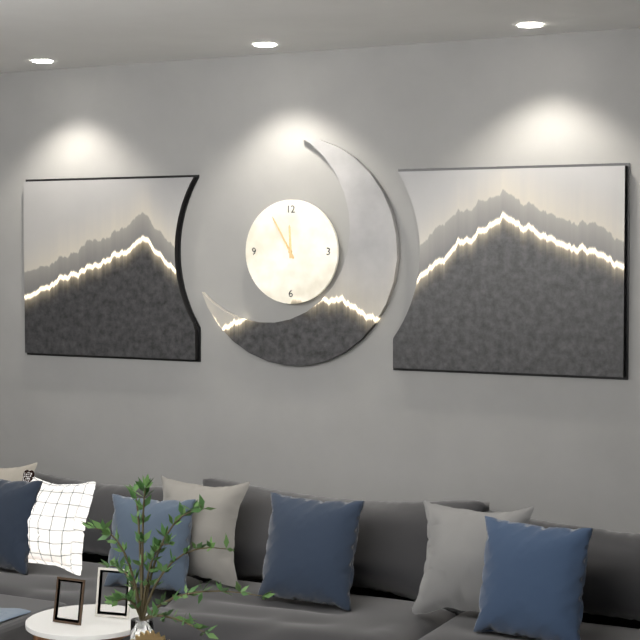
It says 11:55
